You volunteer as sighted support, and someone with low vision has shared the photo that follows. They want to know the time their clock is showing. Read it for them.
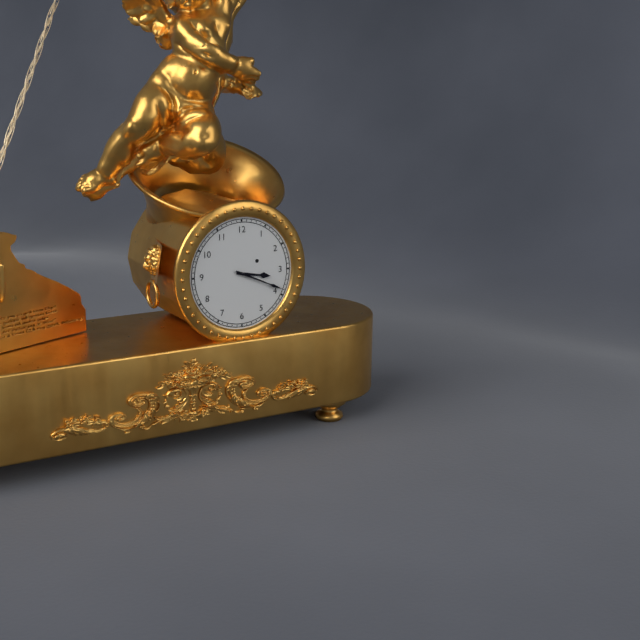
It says 3:19
